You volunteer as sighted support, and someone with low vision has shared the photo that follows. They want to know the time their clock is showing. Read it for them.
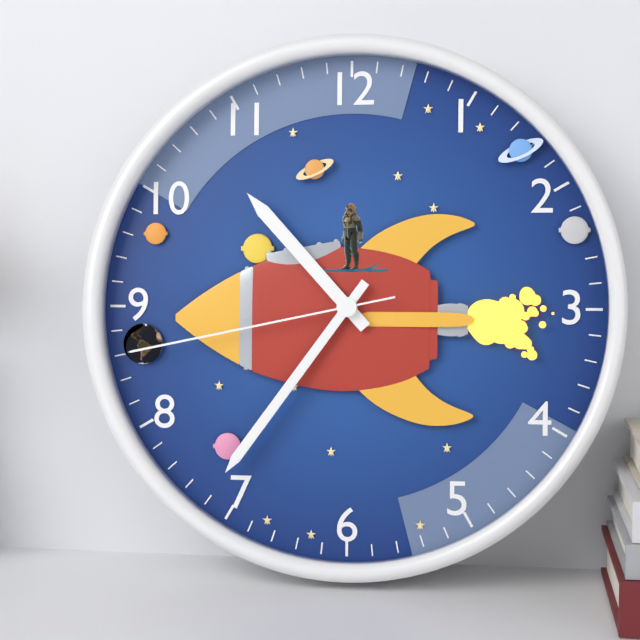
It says 10:36:43
